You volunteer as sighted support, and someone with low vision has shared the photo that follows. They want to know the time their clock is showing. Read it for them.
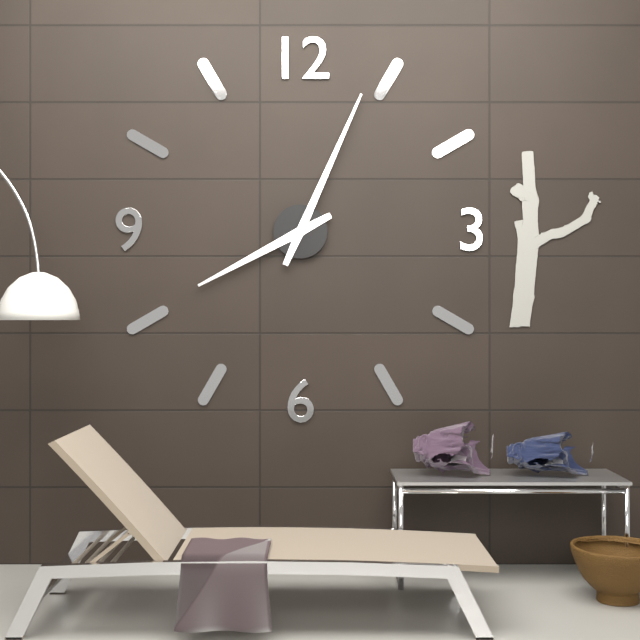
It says 8:04
